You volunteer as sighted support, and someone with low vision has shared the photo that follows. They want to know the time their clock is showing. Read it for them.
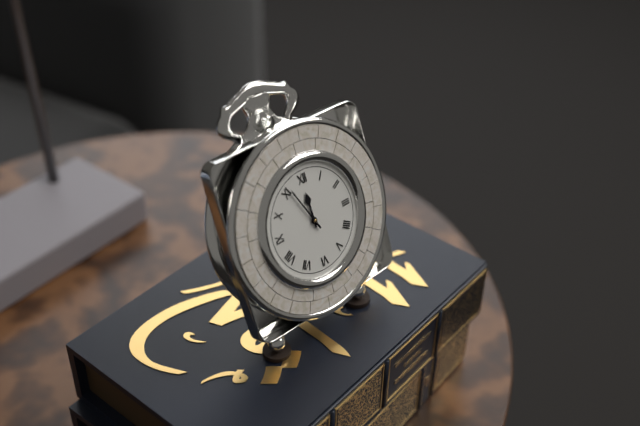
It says 11:56
